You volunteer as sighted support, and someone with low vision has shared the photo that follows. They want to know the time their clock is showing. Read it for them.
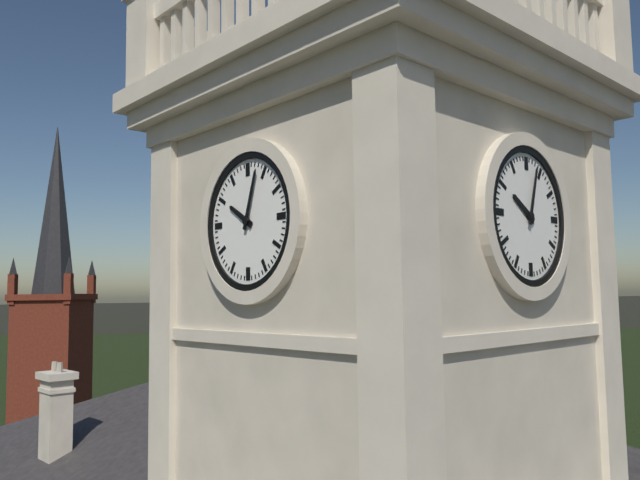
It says 10:03
